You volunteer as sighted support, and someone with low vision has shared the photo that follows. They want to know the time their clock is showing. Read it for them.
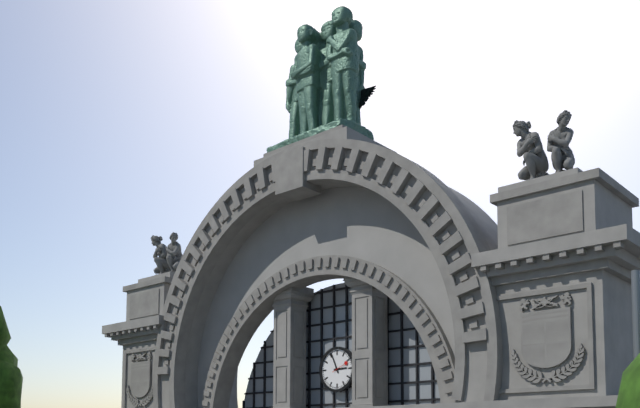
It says 2:56
